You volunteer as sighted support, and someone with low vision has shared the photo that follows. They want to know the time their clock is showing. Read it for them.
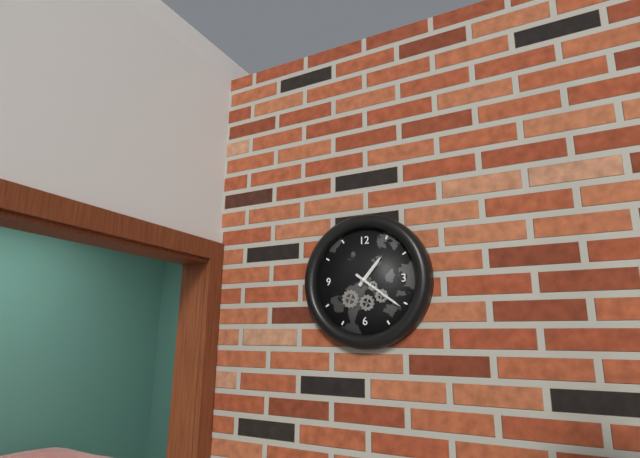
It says 1:21
